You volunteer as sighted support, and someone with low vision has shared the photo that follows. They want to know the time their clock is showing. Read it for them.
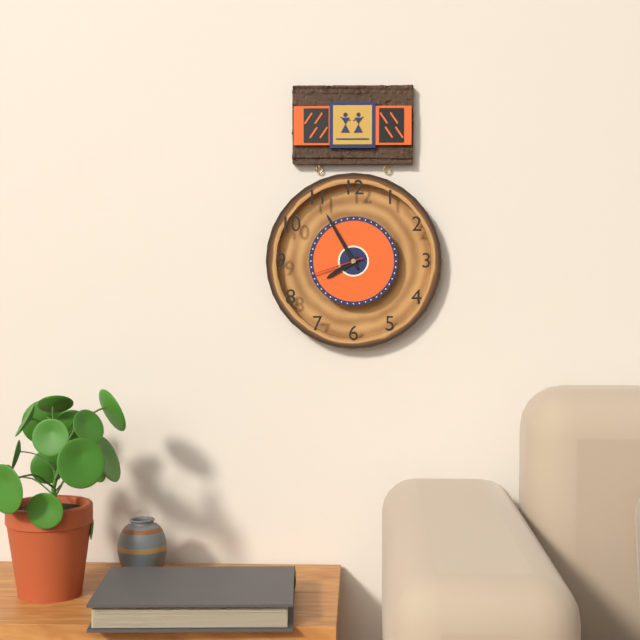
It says 7:55:42
